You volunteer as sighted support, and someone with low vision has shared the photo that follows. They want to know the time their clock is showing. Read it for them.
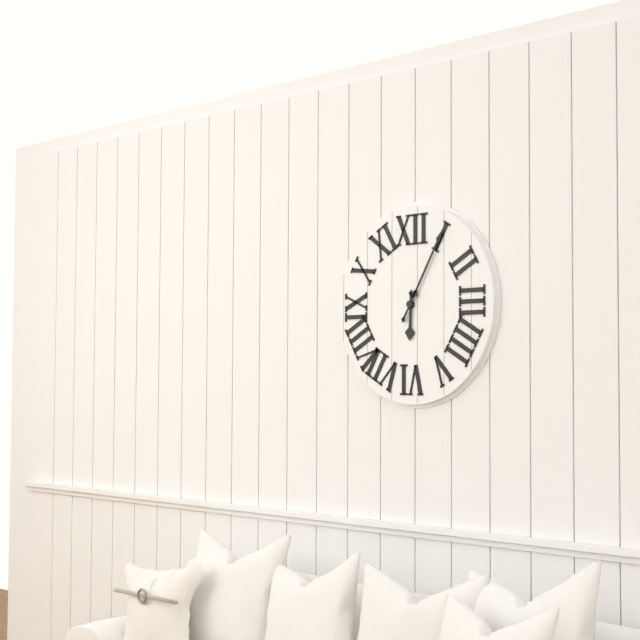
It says 6:05
